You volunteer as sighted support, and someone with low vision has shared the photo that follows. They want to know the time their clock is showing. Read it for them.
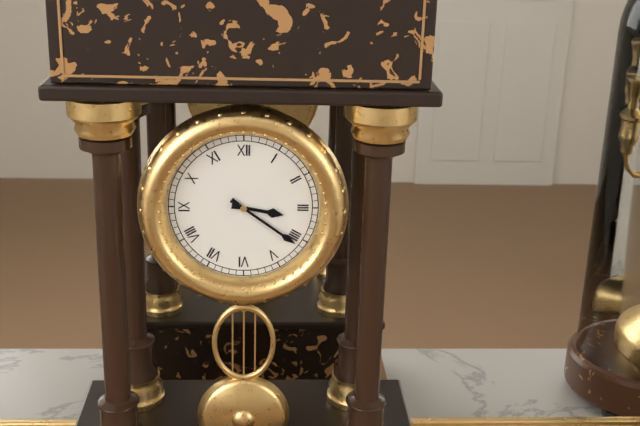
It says 3:21
